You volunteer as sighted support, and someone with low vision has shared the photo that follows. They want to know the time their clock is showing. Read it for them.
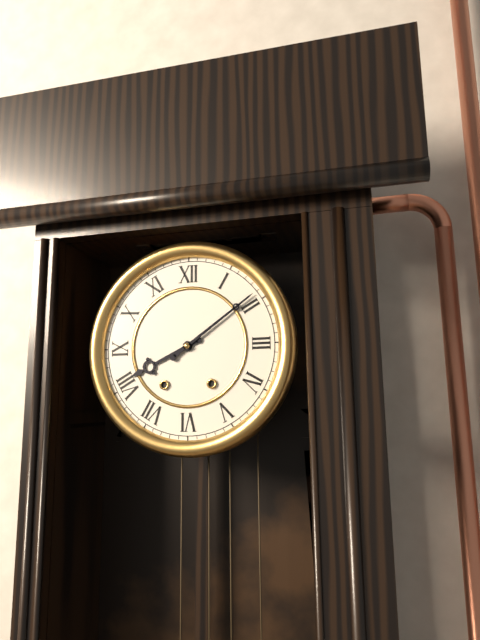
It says 8:09
